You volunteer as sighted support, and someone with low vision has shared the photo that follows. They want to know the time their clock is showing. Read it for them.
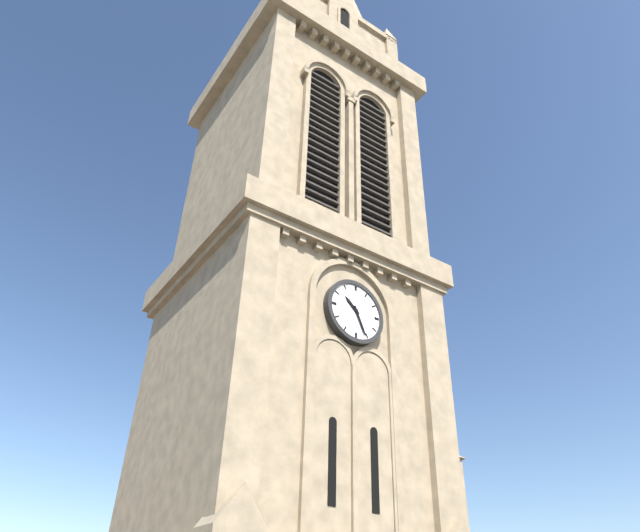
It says 10:26
